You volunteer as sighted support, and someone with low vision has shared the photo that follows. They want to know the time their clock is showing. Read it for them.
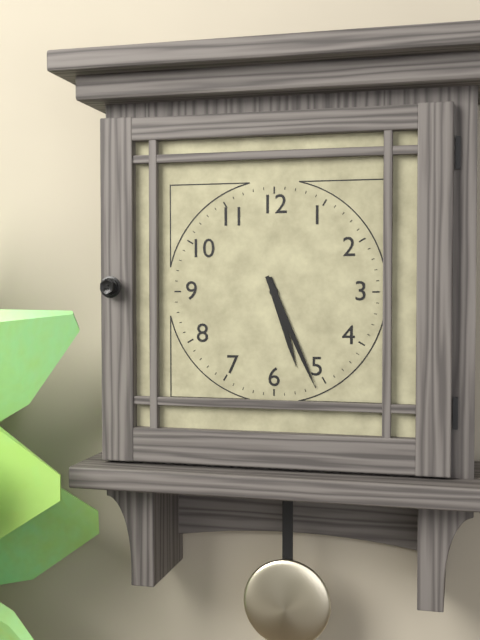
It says 5:26
